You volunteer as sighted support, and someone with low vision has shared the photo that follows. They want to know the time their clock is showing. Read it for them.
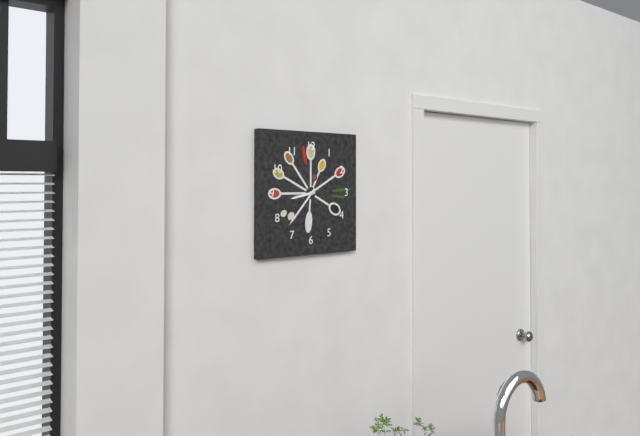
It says 8:37
